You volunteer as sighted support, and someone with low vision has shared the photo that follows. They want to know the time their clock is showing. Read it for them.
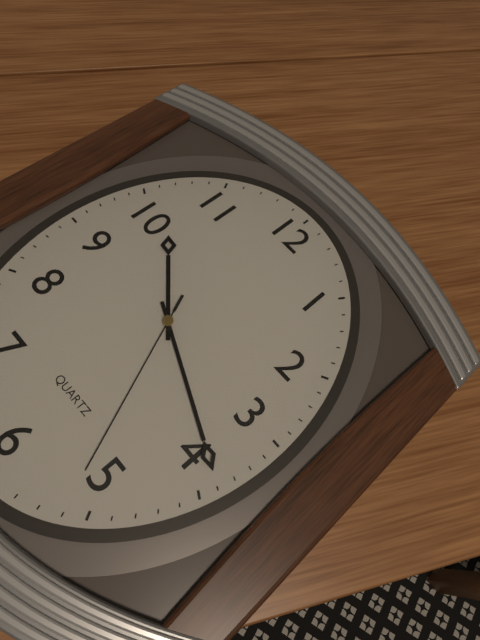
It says 10:19:26
